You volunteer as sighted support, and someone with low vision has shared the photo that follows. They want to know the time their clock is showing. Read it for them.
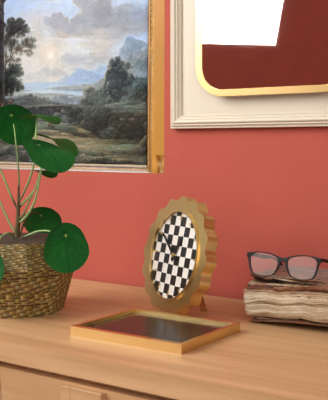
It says 12:51
